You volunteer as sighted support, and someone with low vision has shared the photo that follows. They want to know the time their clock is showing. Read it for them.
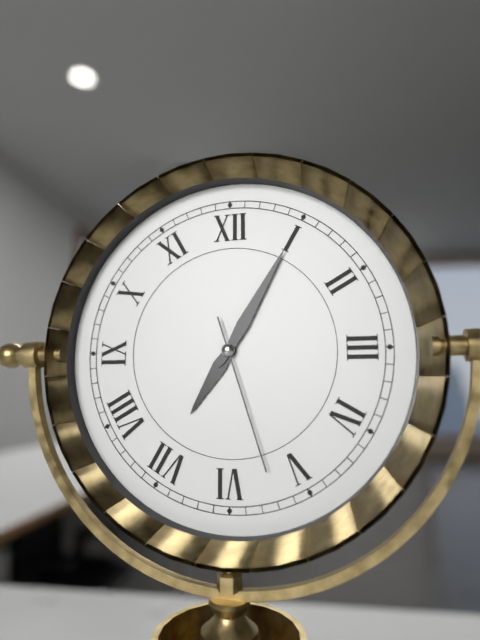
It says 7:05:27
